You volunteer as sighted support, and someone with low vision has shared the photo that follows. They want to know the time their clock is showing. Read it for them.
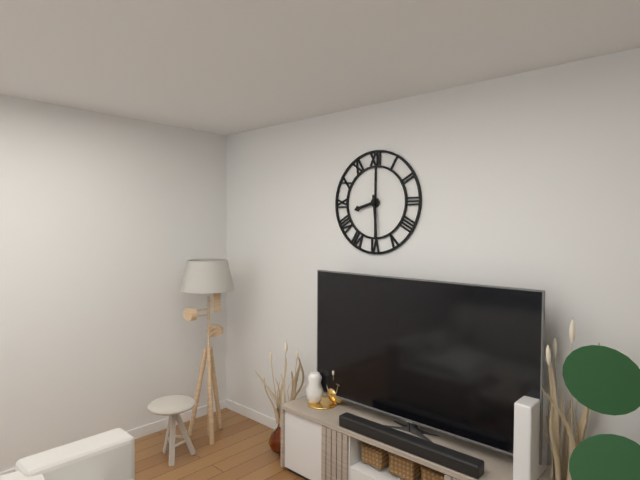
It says 8:29
